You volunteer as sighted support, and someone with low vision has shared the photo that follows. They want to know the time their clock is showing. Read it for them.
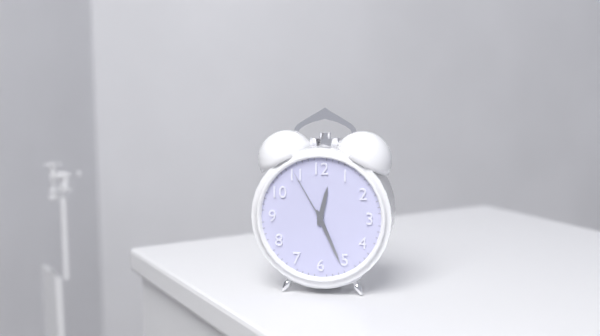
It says 12:26:55
